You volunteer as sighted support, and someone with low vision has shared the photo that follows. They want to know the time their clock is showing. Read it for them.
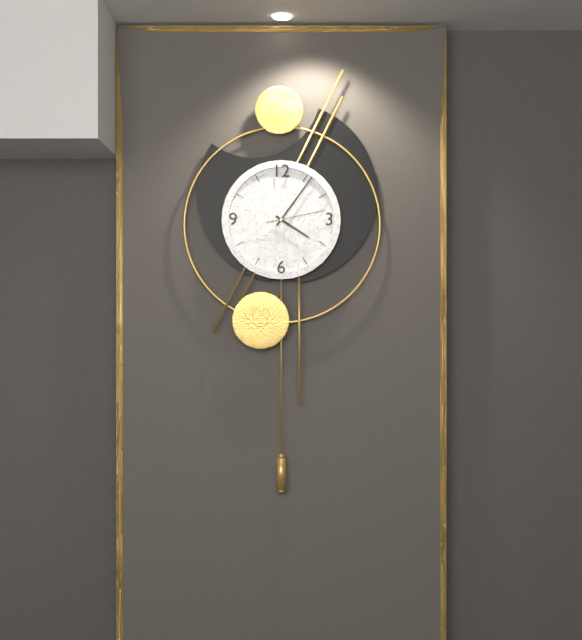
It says 4:06:13
